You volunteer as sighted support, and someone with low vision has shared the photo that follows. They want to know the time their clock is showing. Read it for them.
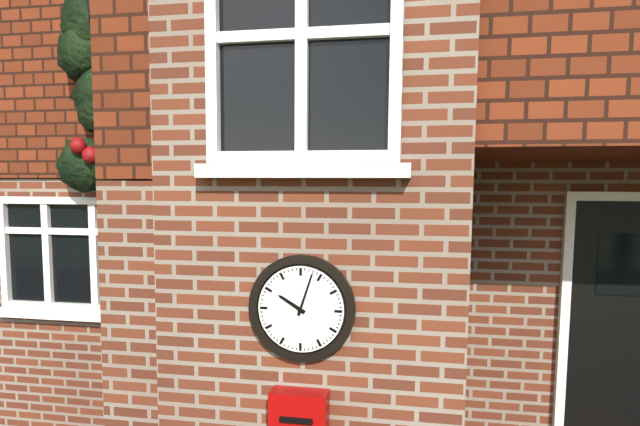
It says 10:03
